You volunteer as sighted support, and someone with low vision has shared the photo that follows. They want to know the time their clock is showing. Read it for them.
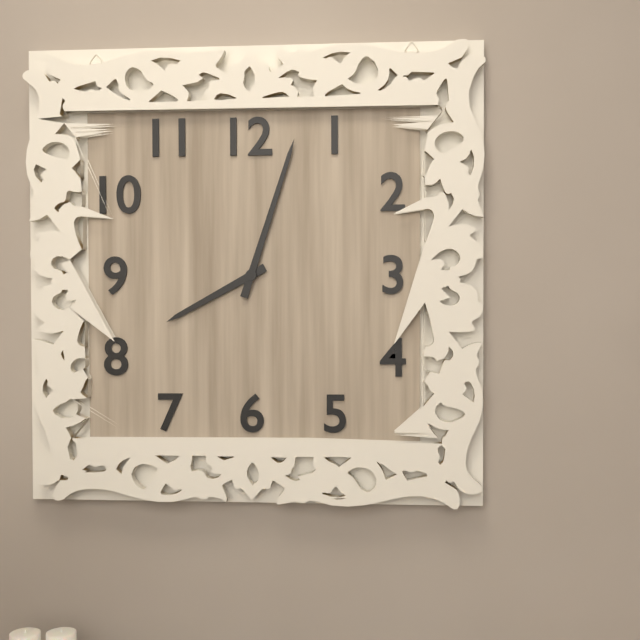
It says 8:03
